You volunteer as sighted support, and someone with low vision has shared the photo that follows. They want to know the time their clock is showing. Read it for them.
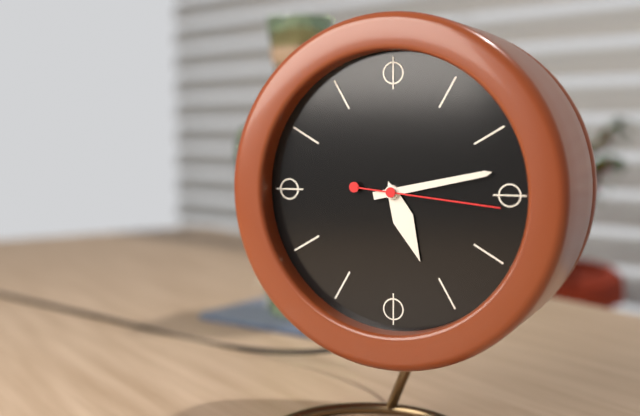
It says 5:13:16
